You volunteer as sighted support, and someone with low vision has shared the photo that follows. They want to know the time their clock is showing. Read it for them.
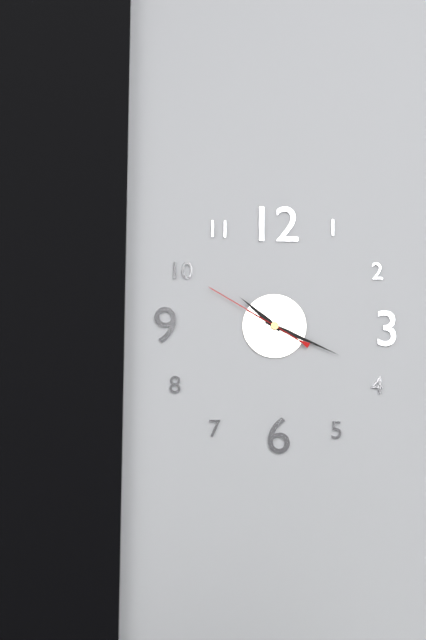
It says 10:19:50
